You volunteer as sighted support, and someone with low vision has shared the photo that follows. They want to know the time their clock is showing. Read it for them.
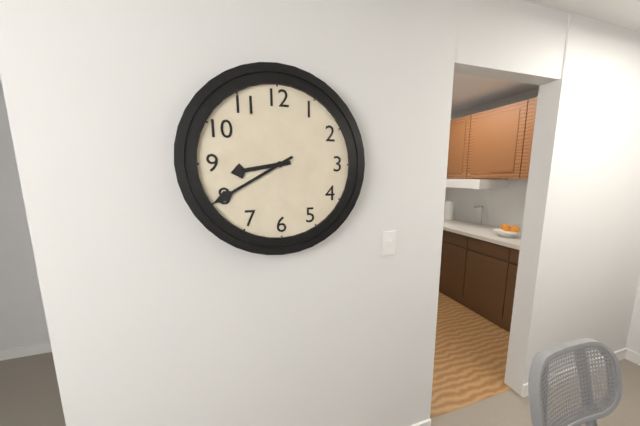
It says 8:40
